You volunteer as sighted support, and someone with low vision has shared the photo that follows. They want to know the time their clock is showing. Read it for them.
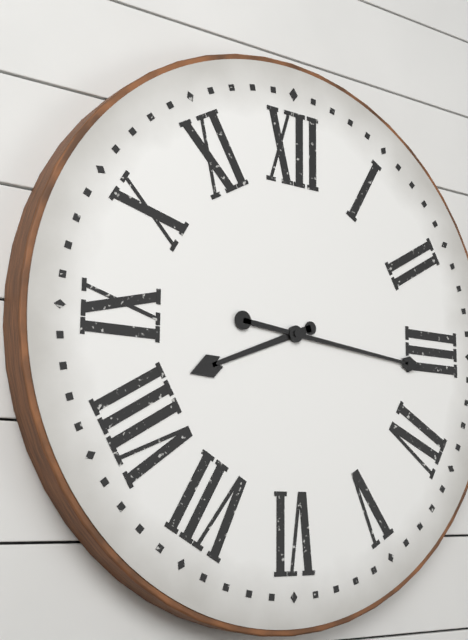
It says 8:16
